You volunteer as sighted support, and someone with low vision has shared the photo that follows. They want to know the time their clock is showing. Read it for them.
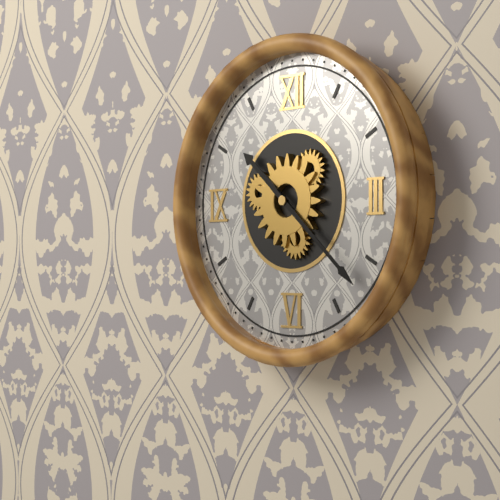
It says 10:22
